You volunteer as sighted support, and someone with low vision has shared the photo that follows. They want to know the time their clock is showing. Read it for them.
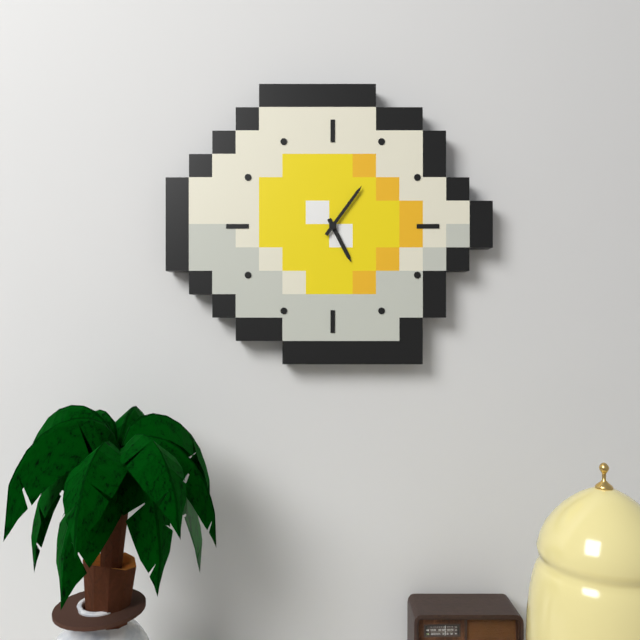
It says 5:06
